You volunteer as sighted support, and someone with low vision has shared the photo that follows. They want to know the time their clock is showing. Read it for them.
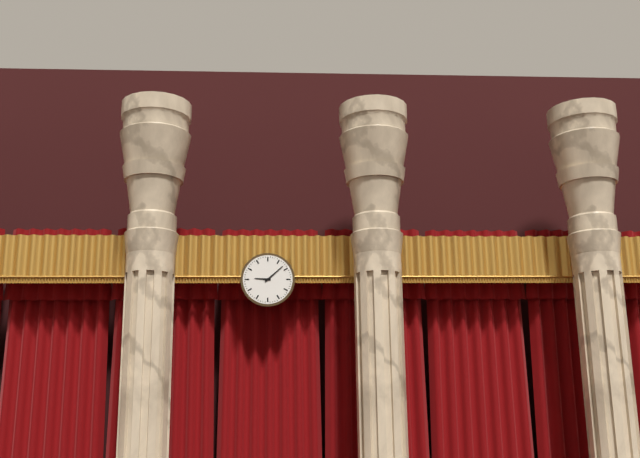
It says 9:08
